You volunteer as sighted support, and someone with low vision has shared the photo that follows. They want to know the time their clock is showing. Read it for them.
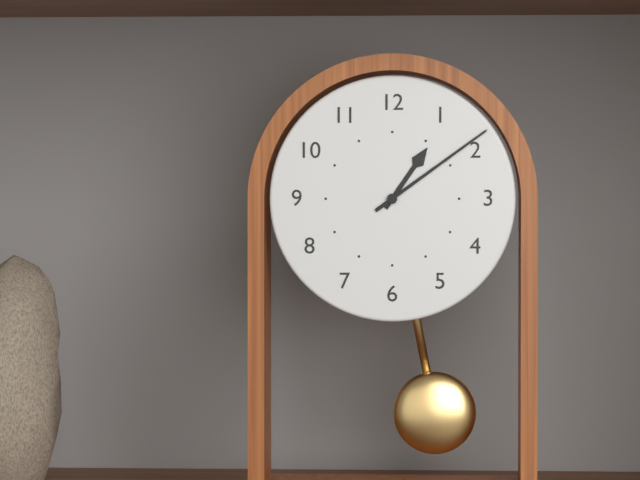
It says 1:09
